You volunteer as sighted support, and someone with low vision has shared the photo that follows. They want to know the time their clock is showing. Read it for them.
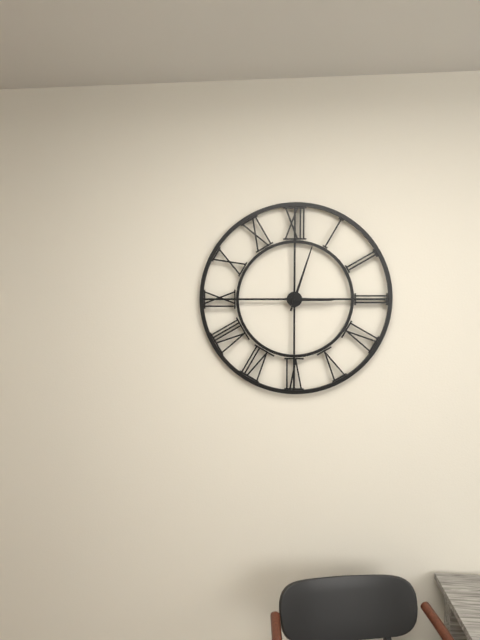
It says 3:03
